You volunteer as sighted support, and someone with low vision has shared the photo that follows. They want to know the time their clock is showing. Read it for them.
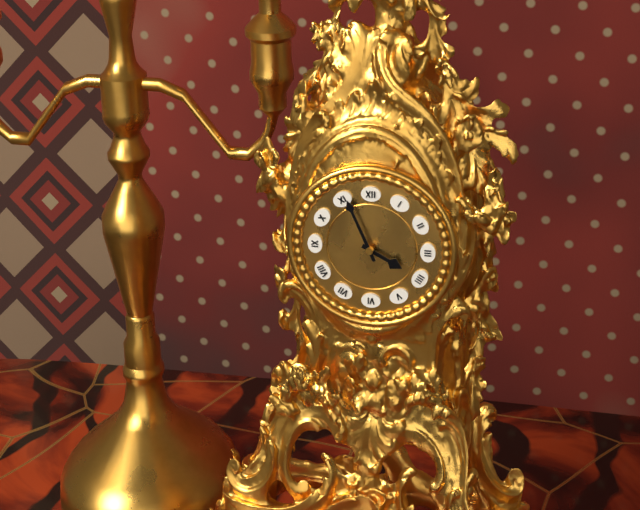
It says 3:56
